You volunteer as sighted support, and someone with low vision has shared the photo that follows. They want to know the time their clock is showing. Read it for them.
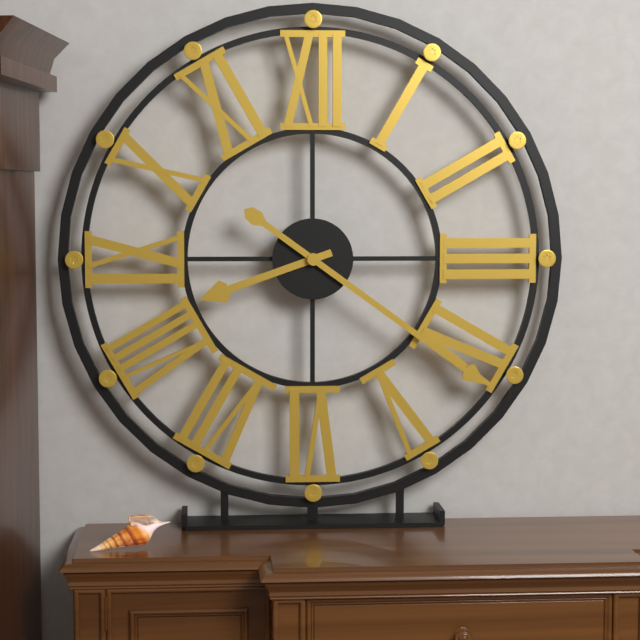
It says 8:21
